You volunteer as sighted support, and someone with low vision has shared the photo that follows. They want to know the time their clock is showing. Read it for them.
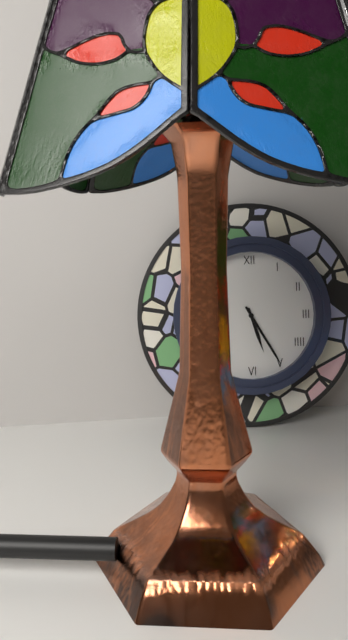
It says 5:25
